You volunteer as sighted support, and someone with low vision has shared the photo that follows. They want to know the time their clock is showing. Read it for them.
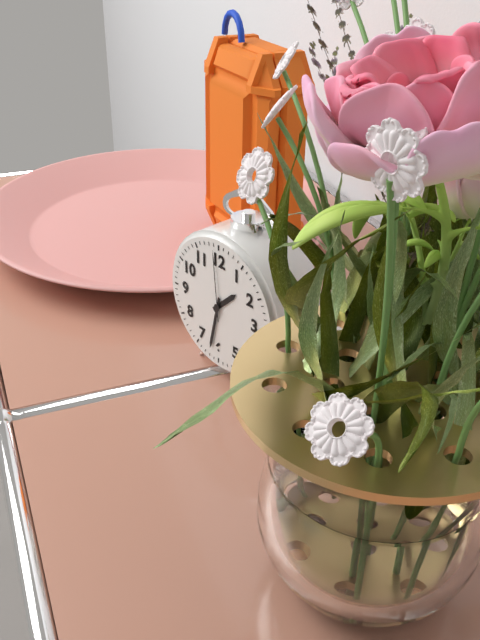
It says 1:32:59
